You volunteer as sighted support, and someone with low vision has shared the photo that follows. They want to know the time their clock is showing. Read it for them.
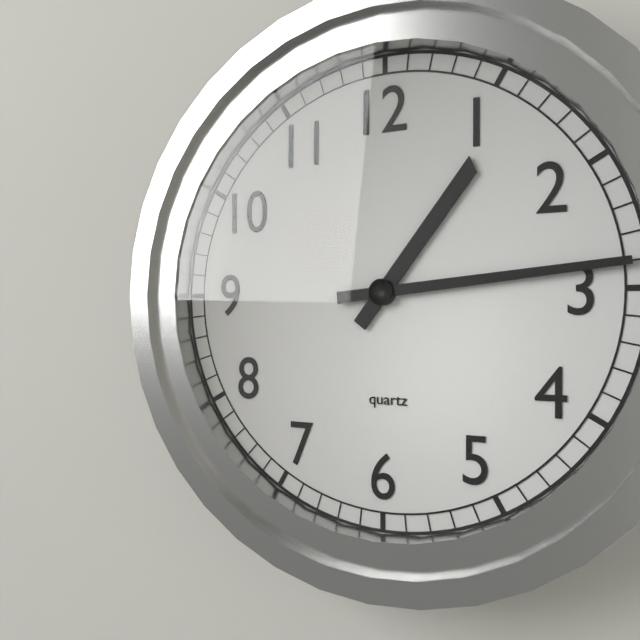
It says 1:14
